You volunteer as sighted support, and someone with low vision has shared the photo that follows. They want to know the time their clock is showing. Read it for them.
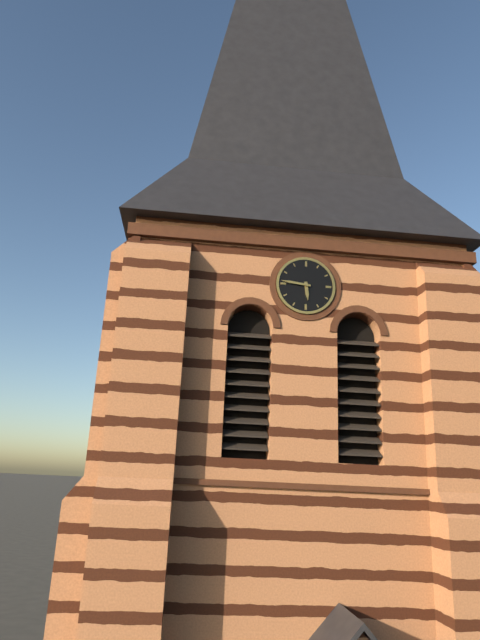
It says 5:46
